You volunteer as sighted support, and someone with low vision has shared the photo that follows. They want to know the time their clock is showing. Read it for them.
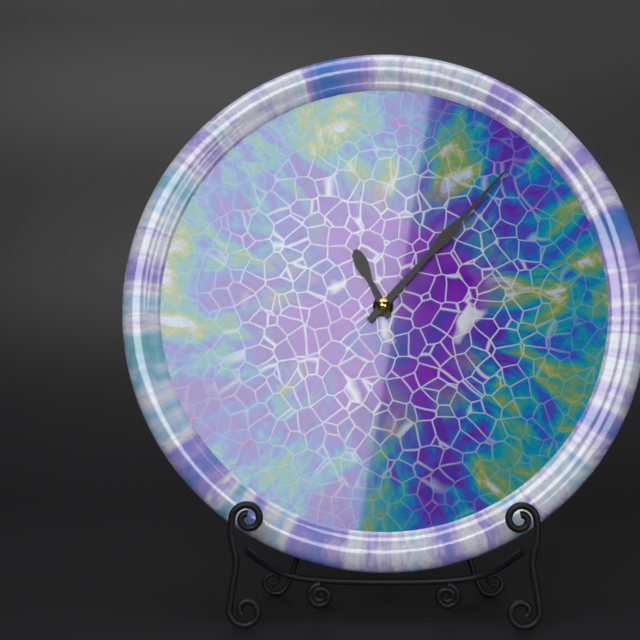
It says 11:07
